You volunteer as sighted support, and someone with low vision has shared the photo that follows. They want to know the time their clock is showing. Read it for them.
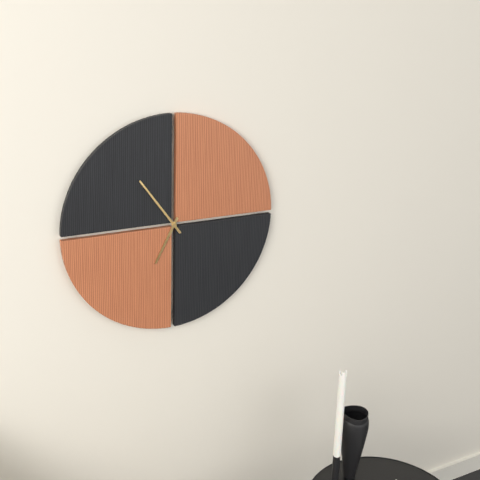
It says 6:54
